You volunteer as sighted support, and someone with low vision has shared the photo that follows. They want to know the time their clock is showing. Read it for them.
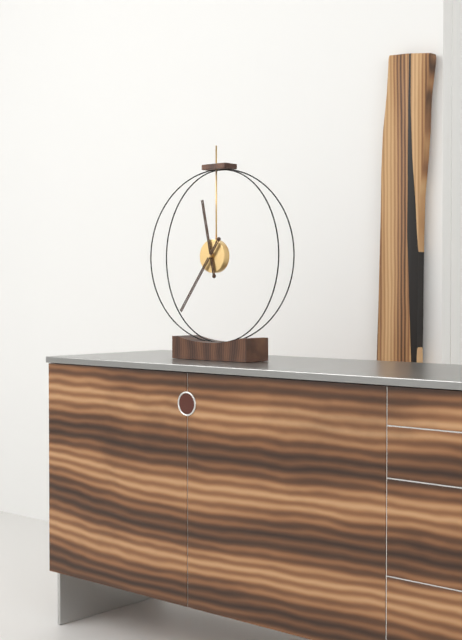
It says 11:36
